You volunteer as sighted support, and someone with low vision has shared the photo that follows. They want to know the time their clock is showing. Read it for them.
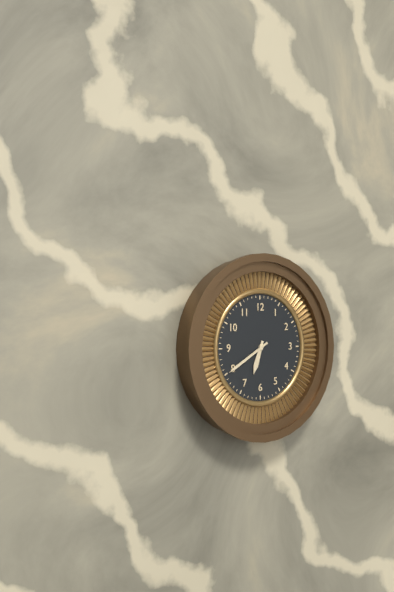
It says 6:40
